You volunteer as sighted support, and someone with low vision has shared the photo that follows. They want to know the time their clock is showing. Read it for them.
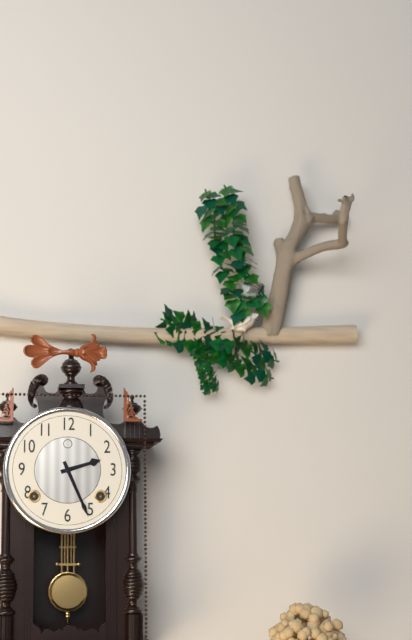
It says 2:26
